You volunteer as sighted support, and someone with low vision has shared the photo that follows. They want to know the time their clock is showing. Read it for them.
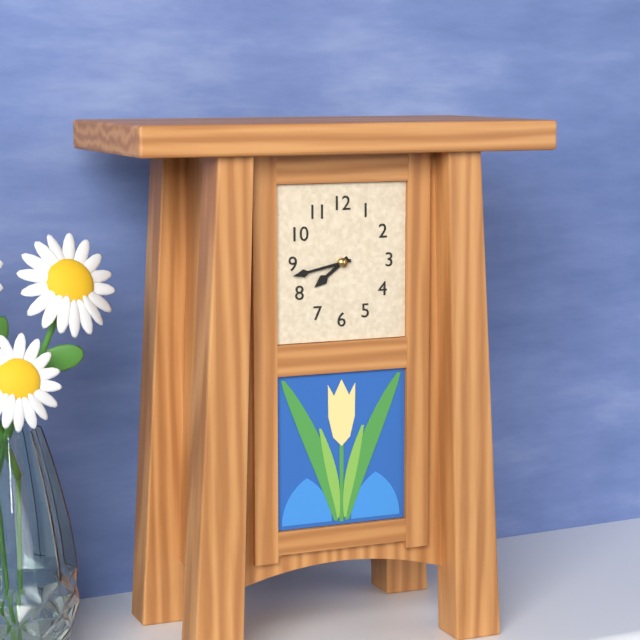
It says 7:43
